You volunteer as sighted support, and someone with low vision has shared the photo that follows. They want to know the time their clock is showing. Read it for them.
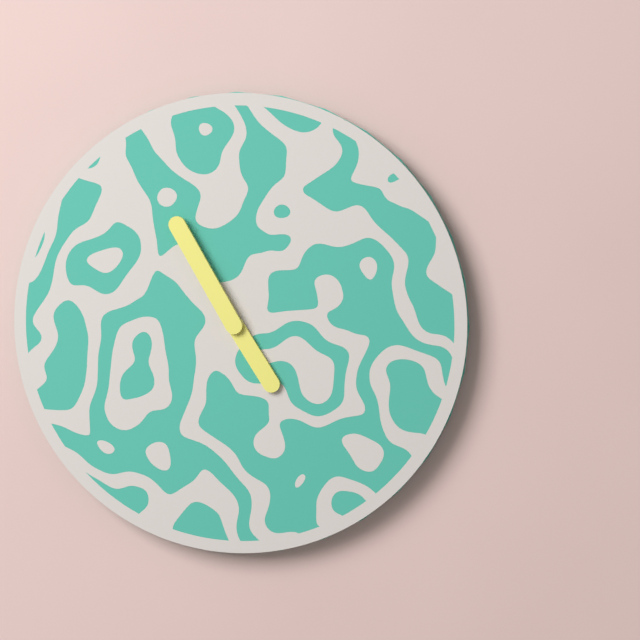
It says 4:55
